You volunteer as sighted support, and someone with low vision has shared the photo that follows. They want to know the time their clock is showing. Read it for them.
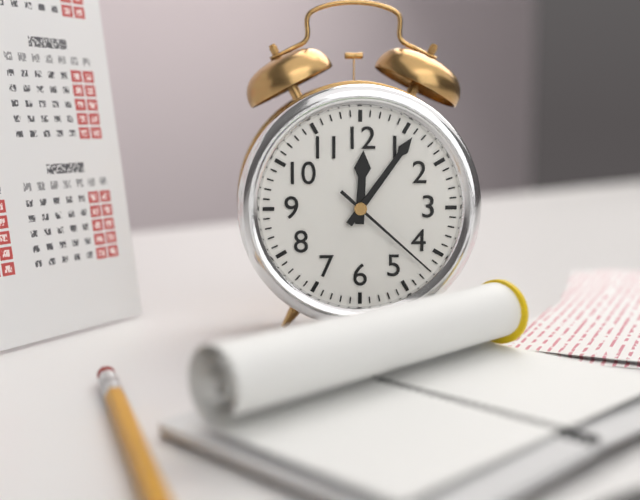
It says 12:06:22
